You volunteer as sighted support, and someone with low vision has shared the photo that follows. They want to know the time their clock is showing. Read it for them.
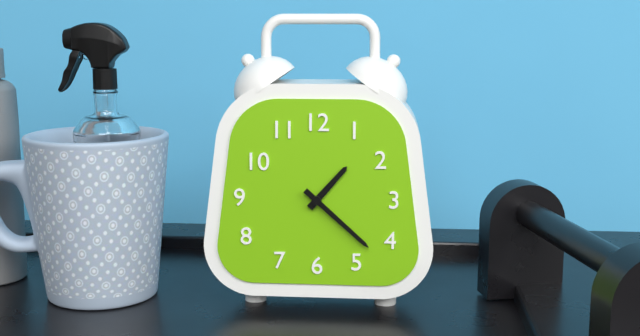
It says 1:22
